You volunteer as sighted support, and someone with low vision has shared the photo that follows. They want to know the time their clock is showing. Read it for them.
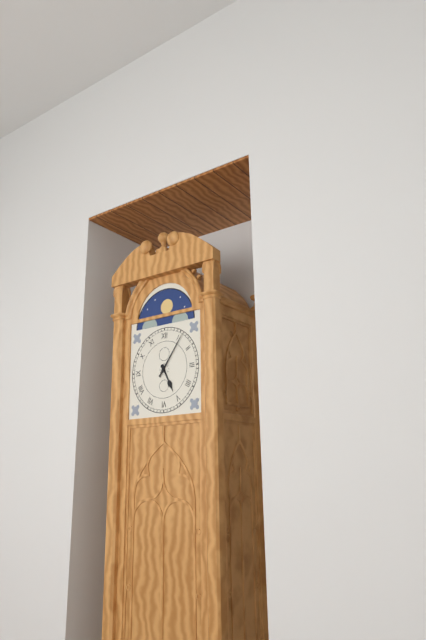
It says 5:06
